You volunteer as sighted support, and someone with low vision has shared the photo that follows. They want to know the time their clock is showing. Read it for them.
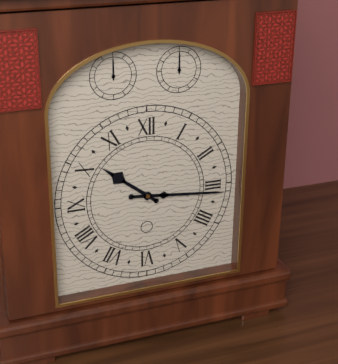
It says 10:16
